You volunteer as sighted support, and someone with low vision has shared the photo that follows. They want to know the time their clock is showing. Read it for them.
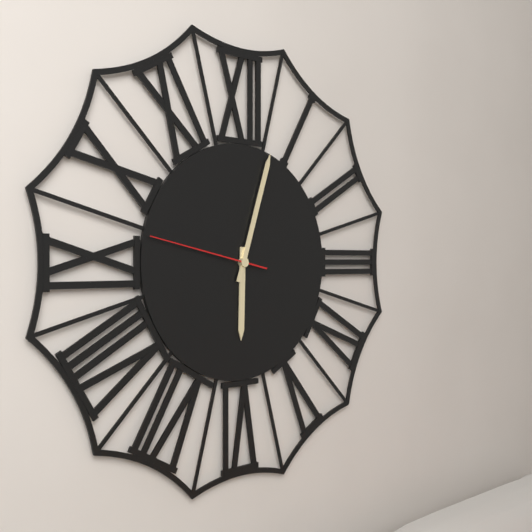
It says 6:03:47
